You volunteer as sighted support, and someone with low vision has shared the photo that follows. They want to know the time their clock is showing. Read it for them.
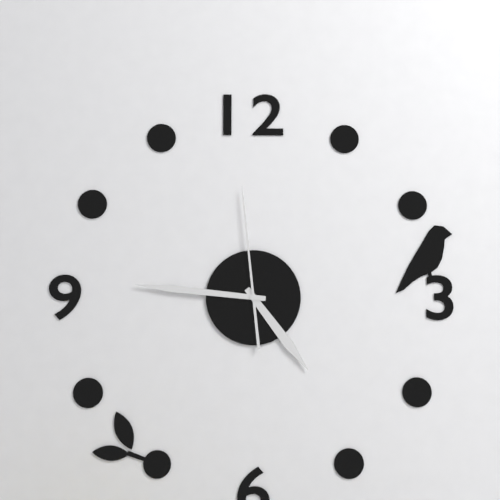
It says 4:46:59
